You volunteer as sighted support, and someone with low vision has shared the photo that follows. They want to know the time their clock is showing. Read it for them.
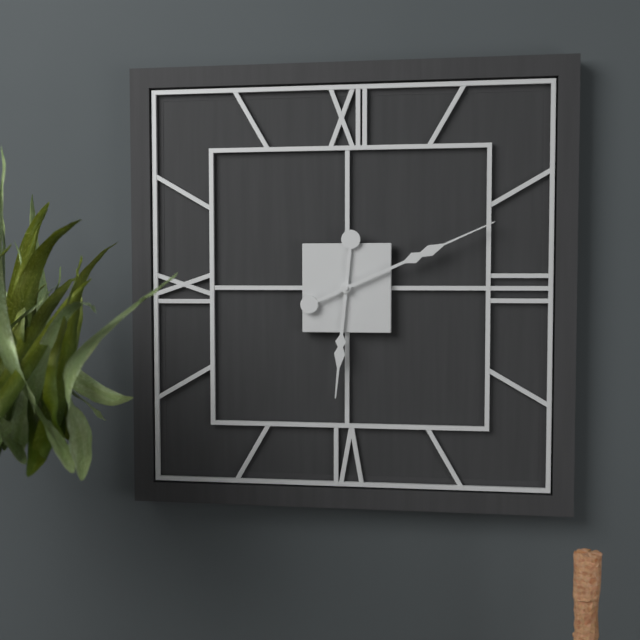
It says 6:11
